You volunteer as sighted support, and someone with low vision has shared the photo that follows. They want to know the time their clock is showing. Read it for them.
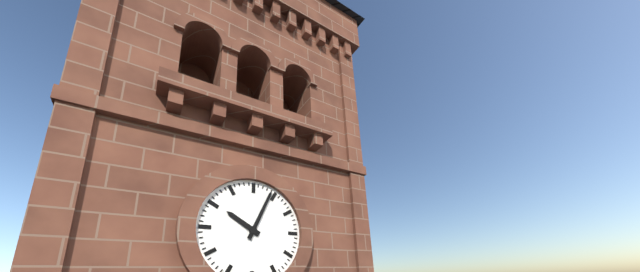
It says 10:04
